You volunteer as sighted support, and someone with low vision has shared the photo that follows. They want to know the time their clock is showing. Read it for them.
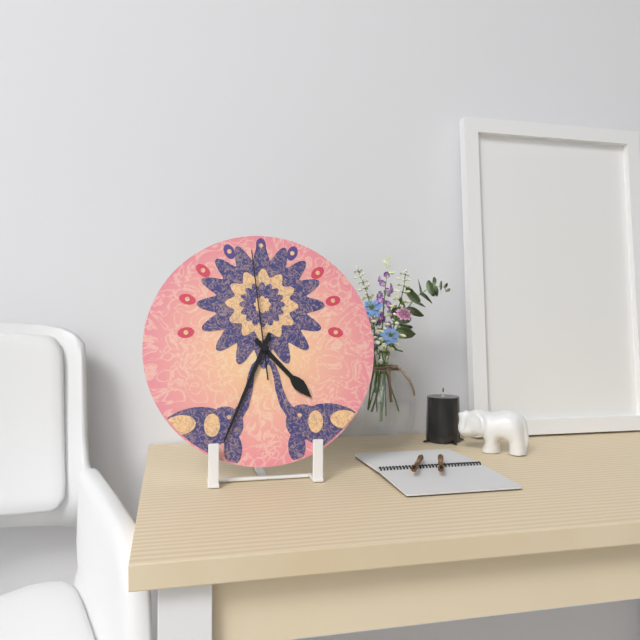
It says 4:34:59
